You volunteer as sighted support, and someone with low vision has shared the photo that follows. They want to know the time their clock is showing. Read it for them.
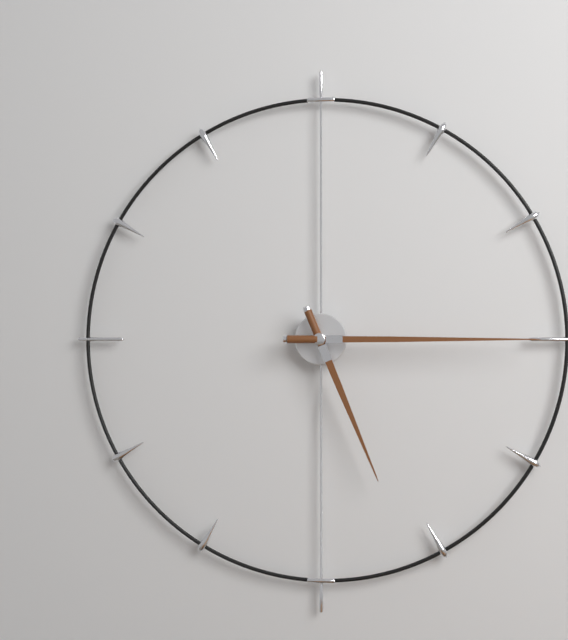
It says 5:15
